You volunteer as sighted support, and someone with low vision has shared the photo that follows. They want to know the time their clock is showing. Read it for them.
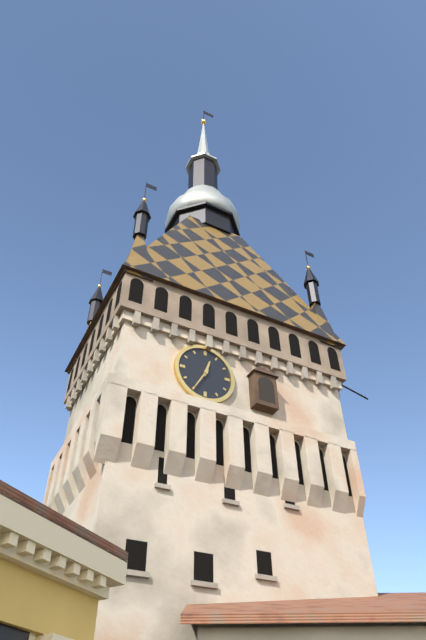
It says 12:35
